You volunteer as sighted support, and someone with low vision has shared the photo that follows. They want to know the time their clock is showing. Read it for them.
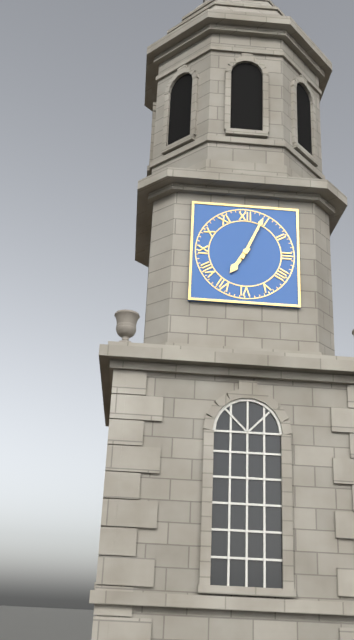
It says 7:04
